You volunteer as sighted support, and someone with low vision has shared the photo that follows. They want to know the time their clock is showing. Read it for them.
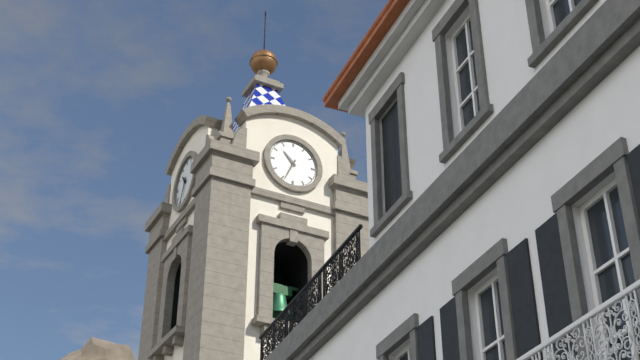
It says 10:34
